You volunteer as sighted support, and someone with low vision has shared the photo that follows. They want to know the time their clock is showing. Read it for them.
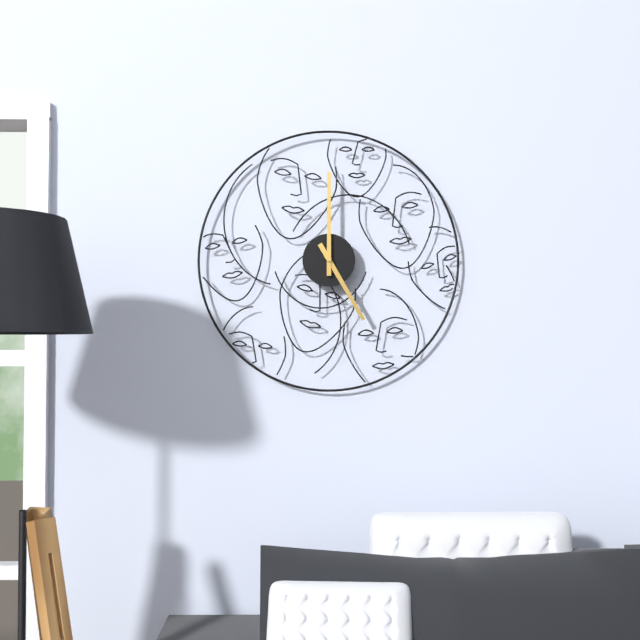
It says 5:00
